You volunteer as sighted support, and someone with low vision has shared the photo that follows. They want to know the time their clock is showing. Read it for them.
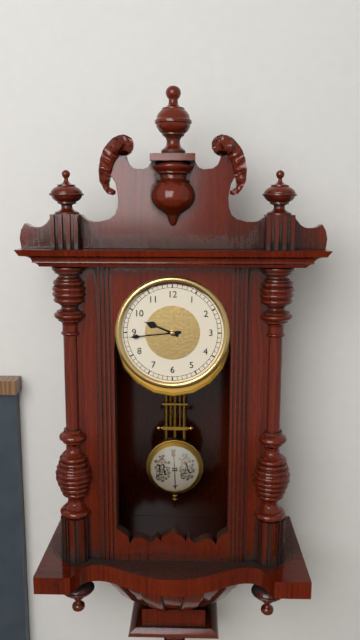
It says 9:44
